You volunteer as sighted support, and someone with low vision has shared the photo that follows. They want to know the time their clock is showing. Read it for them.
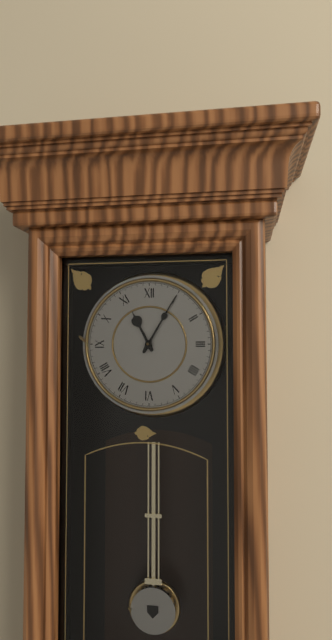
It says 11:05
